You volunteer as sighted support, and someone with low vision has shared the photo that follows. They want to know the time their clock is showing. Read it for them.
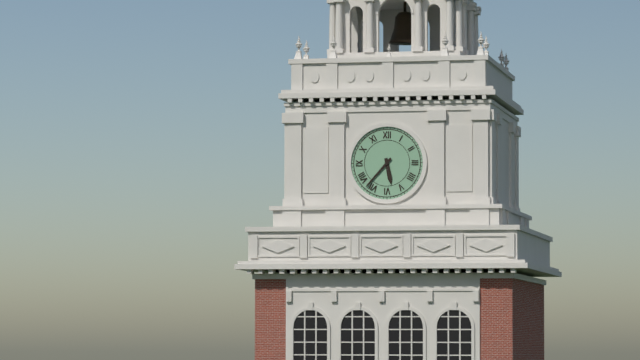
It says 5:37
